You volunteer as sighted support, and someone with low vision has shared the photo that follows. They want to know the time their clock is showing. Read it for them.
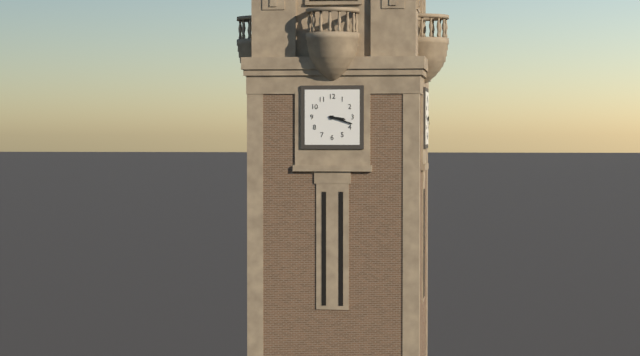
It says 3:18
